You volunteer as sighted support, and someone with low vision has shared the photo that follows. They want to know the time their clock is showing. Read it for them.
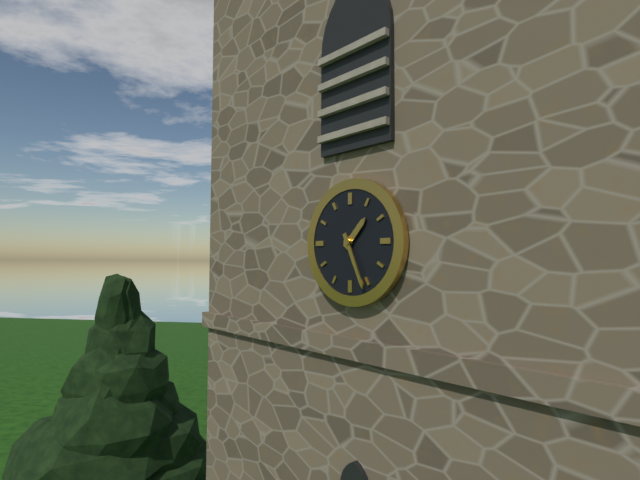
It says 1:26
